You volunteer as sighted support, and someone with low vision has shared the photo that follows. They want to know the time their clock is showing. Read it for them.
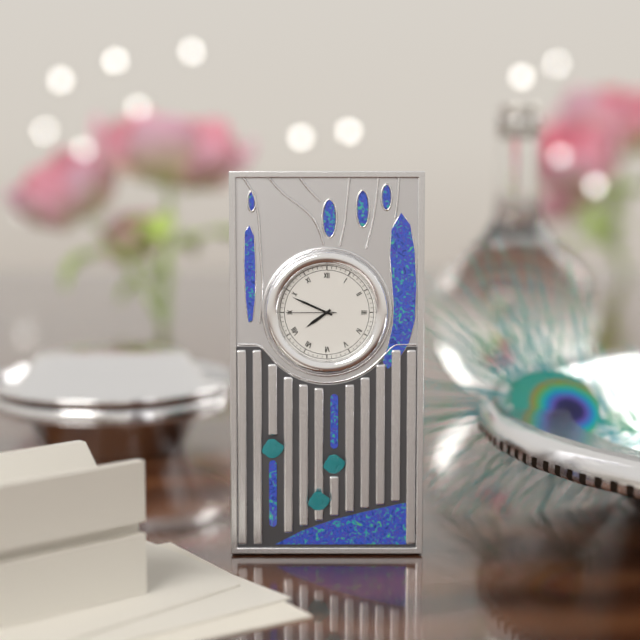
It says 7:49:45
